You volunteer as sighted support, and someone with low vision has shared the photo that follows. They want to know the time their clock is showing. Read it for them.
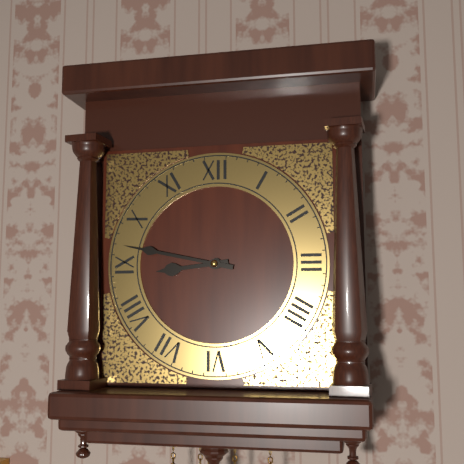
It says 8:47
